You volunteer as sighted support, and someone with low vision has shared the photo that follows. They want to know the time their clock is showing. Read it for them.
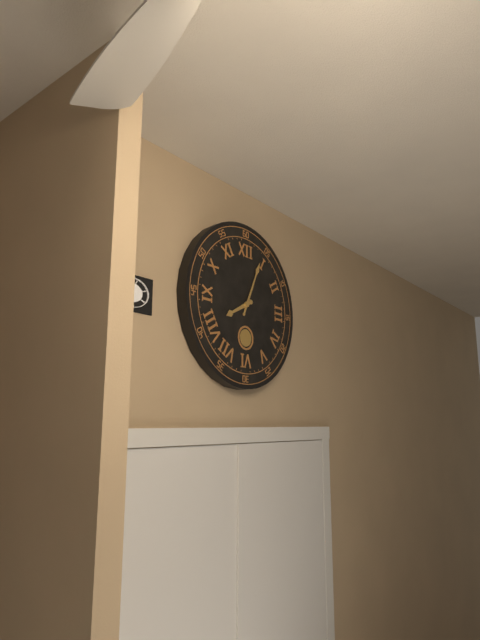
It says 8:04
